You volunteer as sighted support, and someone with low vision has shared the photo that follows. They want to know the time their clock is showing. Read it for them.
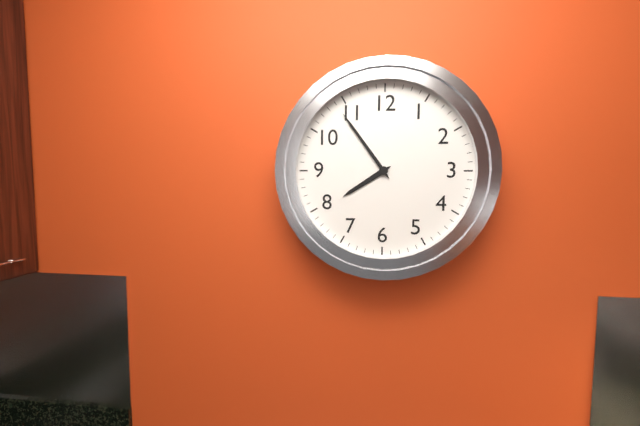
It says 7:54
